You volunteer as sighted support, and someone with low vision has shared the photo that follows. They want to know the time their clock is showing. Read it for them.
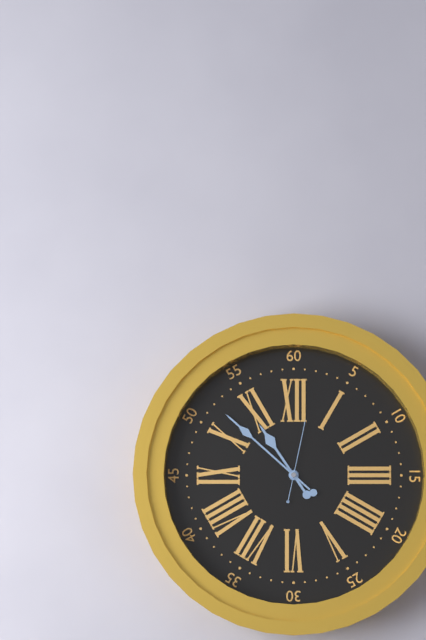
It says 10:52:02
